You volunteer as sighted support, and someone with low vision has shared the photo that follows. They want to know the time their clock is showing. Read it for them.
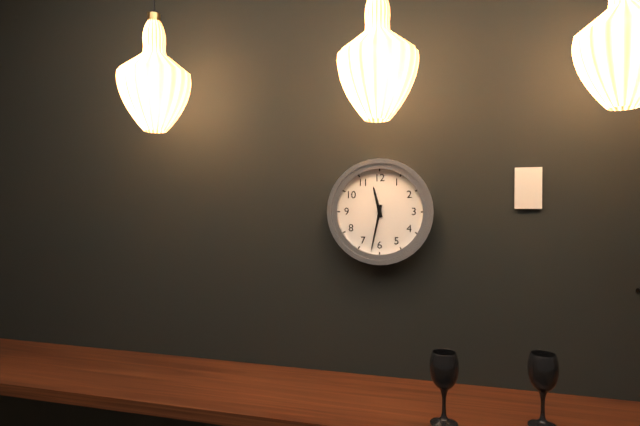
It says 11:32
